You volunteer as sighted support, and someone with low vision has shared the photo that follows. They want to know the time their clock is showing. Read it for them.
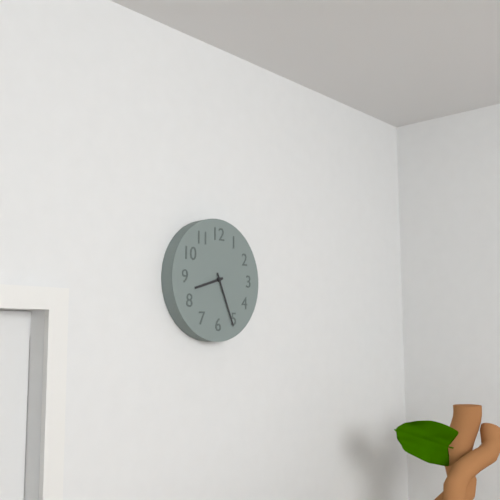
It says 8:26
